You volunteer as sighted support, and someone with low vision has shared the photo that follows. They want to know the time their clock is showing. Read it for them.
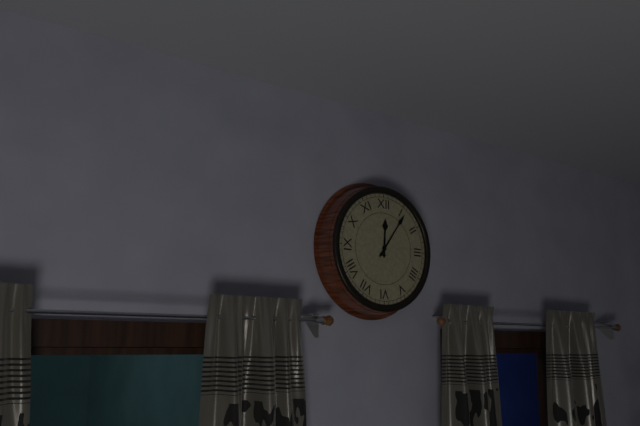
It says 12:06
